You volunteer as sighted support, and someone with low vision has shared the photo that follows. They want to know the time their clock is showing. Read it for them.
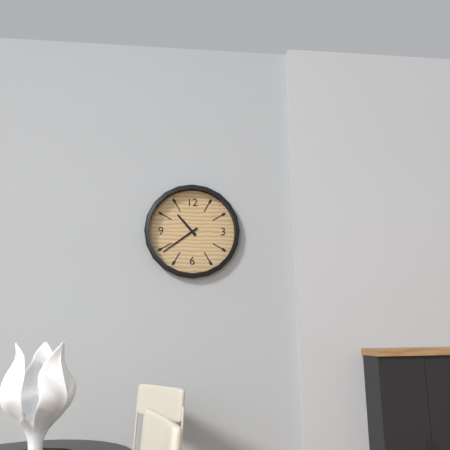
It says 10:39
